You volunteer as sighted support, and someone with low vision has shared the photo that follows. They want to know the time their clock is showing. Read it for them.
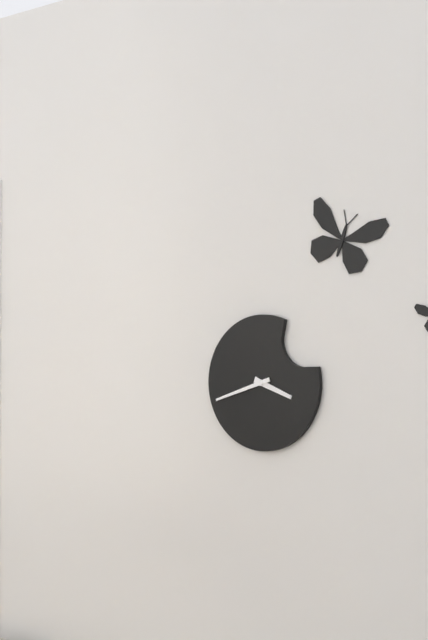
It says 3:42
